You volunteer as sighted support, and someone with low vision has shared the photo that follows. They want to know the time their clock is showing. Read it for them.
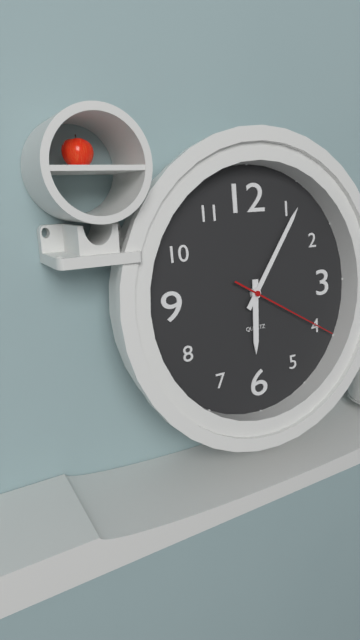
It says 6:06:20
